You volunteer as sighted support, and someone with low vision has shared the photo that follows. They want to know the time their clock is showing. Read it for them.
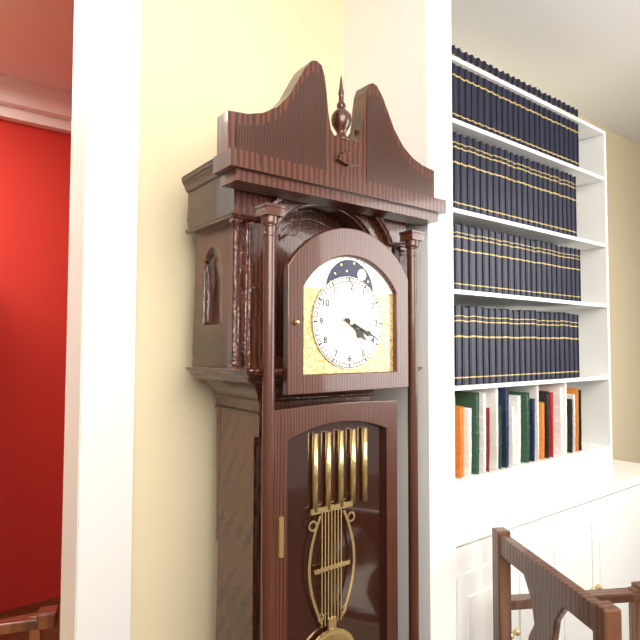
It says 4:19
